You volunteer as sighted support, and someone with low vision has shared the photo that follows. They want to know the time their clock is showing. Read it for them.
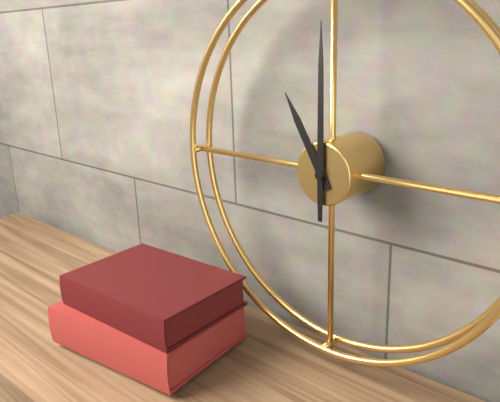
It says 11:00
